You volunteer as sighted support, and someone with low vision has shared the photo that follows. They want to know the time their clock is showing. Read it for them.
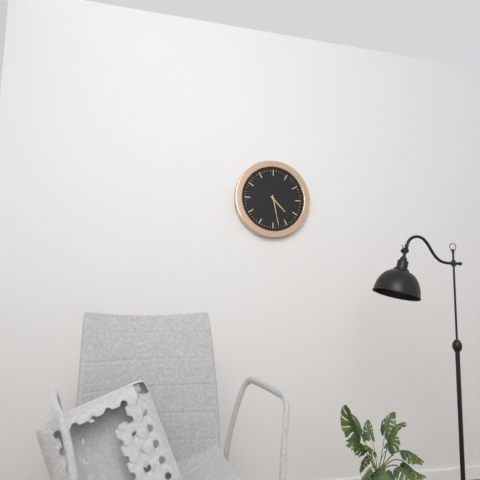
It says 4:28
